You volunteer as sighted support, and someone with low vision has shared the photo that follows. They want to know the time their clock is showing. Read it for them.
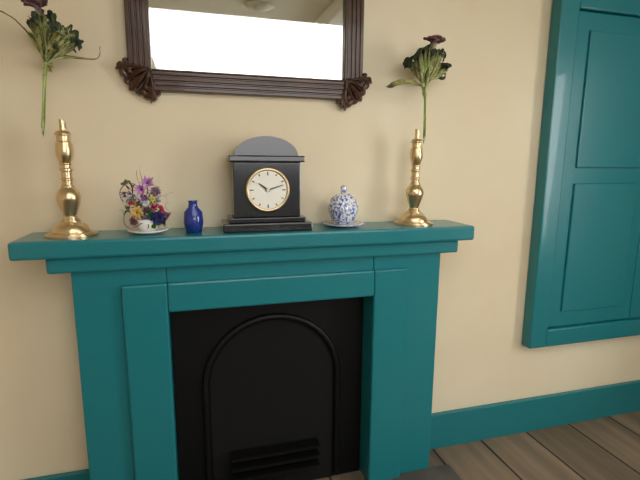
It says 10:12
